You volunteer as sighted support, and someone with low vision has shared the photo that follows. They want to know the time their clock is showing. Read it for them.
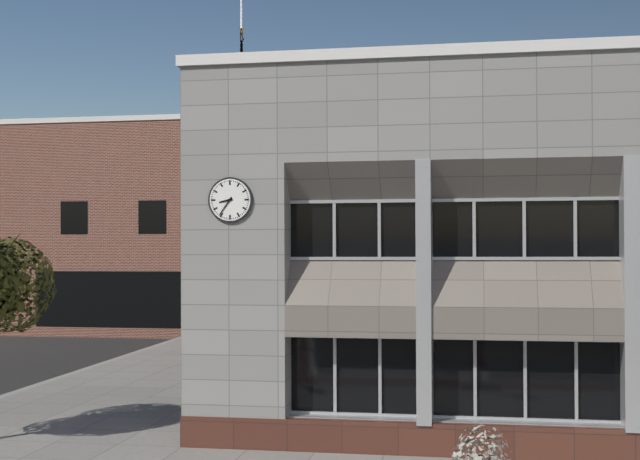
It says 8:36
